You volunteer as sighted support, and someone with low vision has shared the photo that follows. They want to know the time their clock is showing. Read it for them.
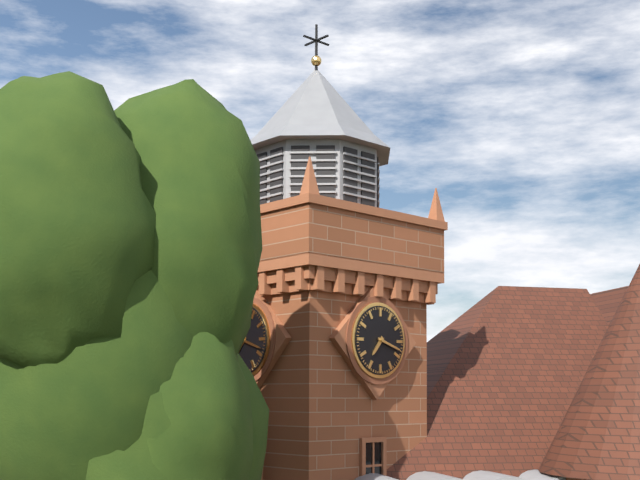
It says 7:18
